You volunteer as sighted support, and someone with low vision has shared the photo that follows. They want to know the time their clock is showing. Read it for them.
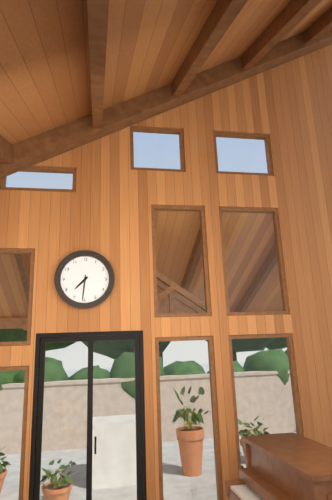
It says 7:31
